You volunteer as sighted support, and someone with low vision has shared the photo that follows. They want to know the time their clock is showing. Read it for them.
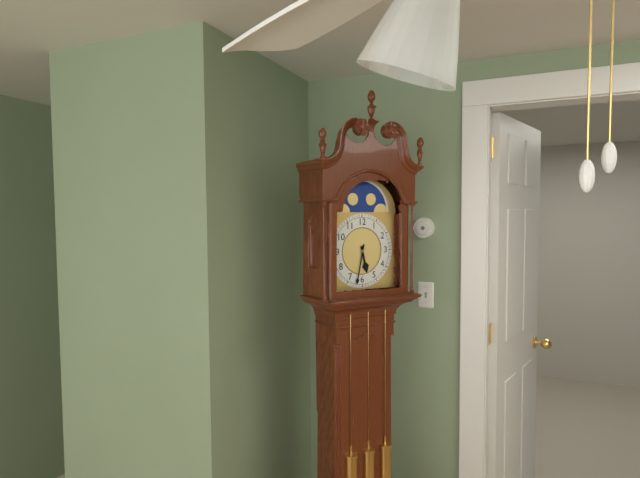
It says 5:32
